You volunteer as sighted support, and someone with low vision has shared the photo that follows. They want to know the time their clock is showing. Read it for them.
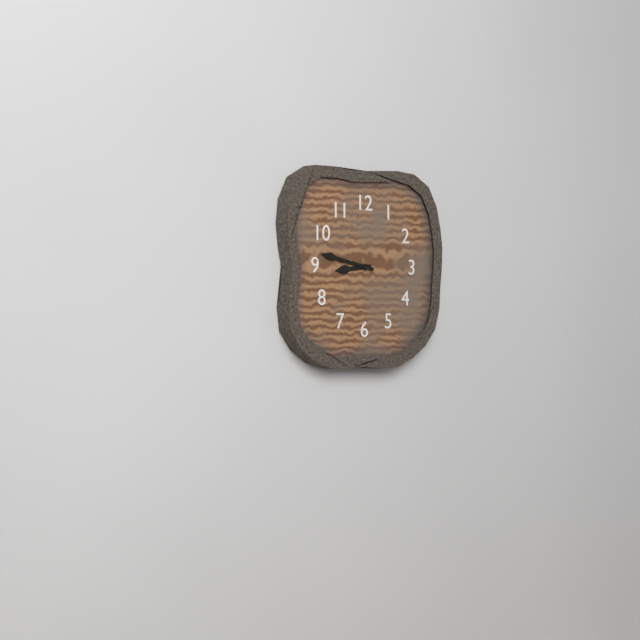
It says 8:47
